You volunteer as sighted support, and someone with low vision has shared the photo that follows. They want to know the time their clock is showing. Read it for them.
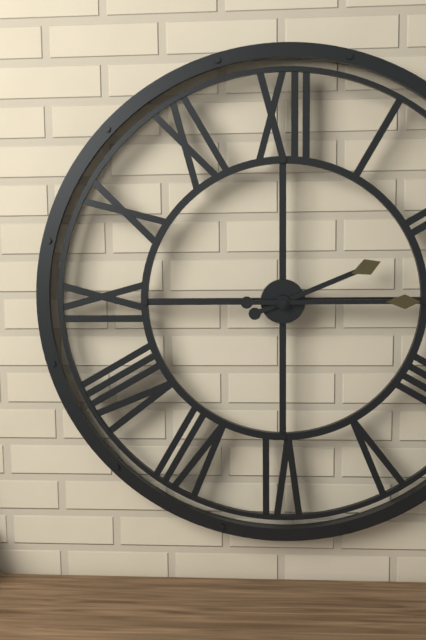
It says 2:15
